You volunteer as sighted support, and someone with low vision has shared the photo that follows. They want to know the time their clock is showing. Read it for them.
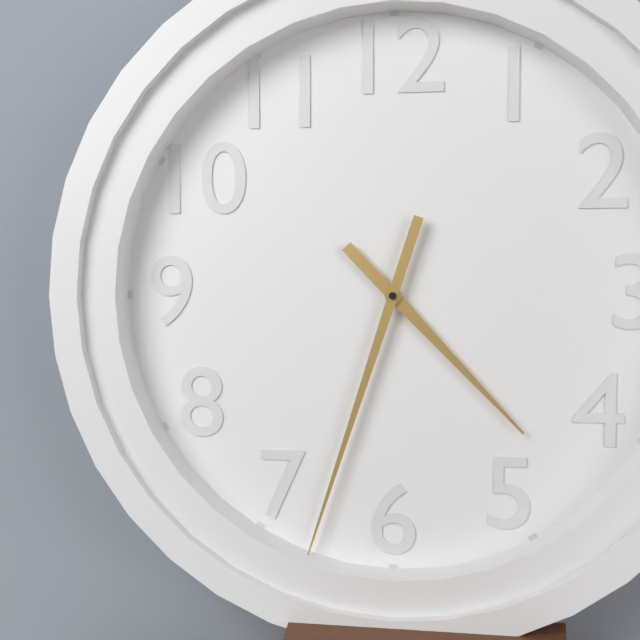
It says 4:33
